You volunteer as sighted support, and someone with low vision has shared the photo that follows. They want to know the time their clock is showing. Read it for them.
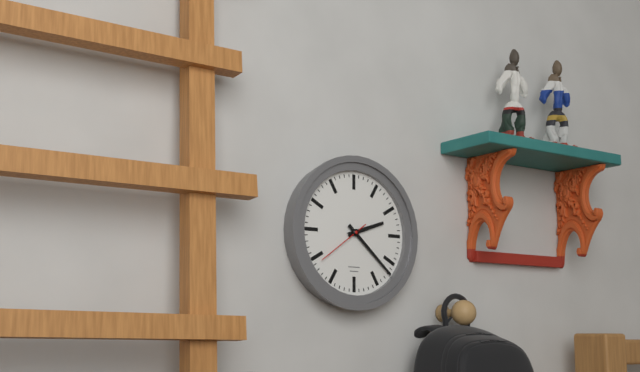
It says 2:22:39
